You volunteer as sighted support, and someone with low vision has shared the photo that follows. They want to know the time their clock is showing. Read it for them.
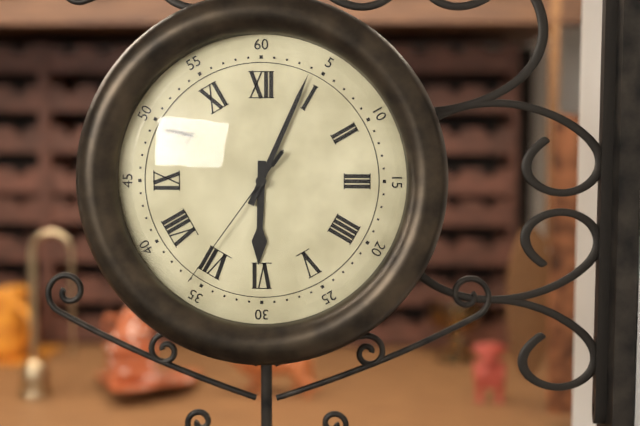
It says 6:04:36
